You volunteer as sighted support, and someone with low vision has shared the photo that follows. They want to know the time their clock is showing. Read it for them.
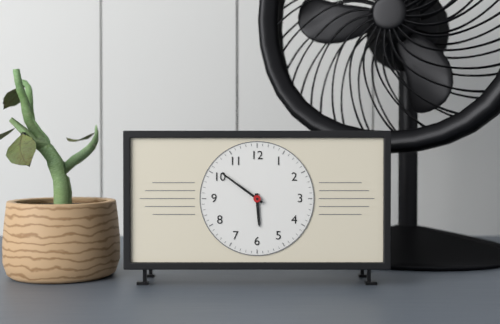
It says 5:51
